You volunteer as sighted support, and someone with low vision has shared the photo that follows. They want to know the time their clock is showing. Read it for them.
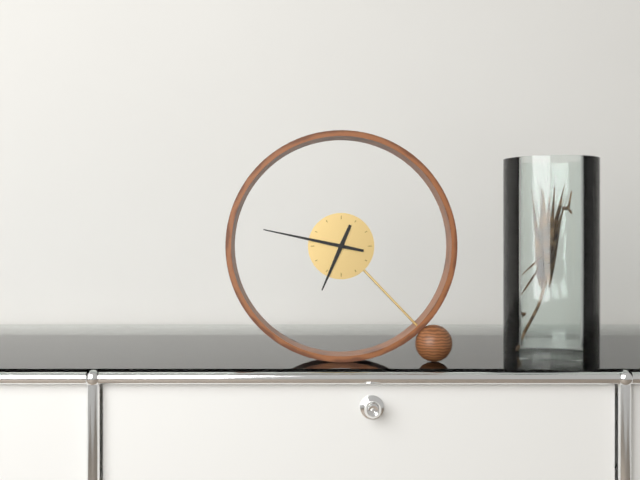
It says 6:47
